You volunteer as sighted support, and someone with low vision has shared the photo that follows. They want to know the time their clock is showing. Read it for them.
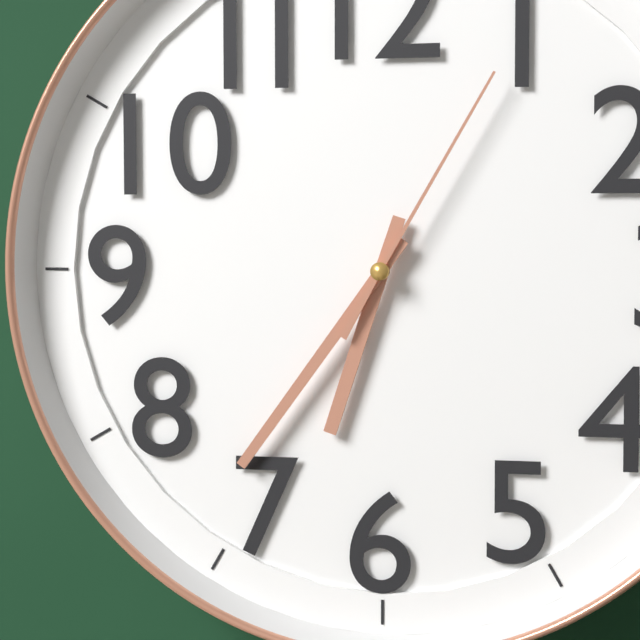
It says 6:36:05
